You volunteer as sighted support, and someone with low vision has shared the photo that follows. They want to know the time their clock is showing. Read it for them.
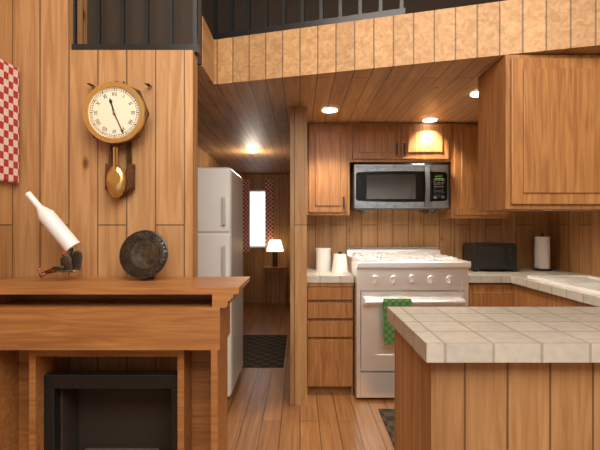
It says 11:26
